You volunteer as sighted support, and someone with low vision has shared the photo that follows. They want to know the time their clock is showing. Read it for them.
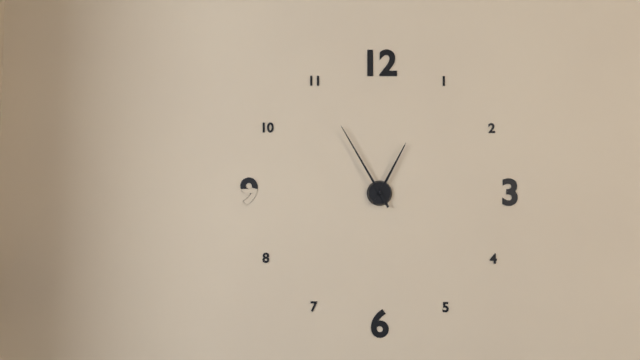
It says 12:55
